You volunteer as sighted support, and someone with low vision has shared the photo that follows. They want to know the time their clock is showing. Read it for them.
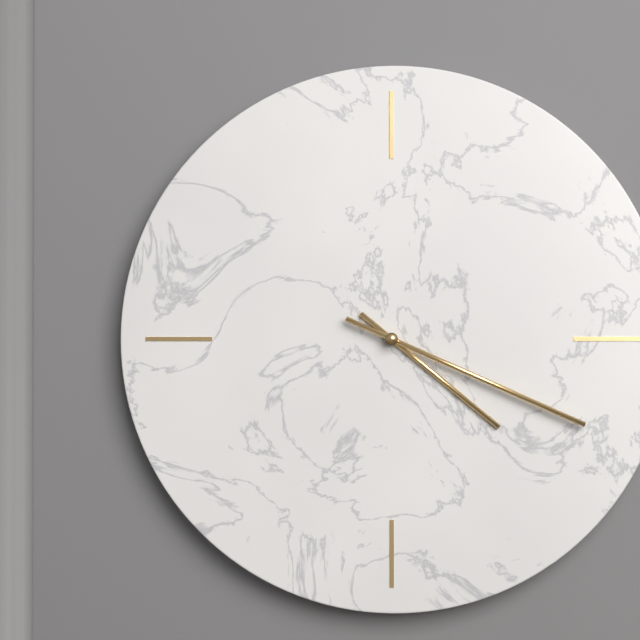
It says 4:19
